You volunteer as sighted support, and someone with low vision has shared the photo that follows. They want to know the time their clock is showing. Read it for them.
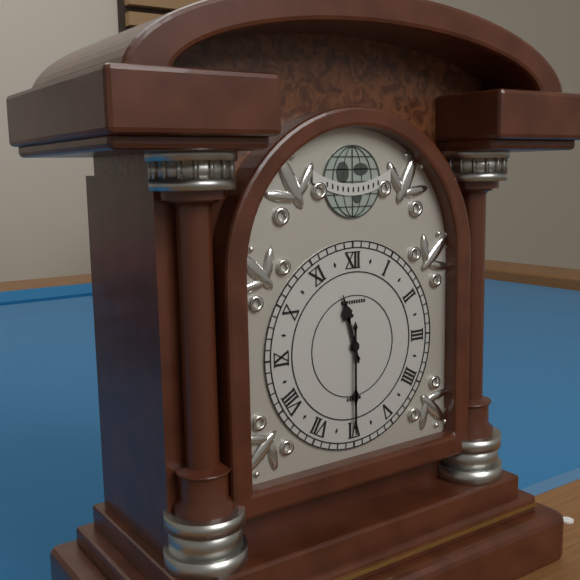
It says 11:30
